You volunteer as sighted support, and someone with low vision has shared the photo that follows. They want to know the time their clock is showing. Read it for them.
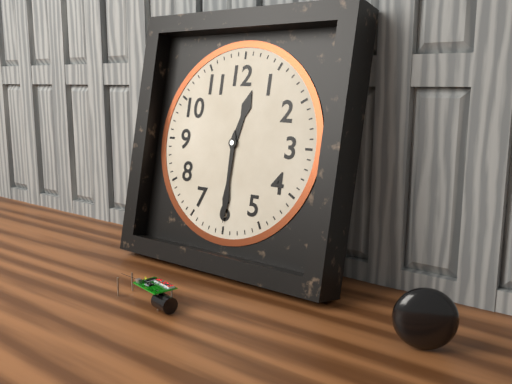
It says 12:30
